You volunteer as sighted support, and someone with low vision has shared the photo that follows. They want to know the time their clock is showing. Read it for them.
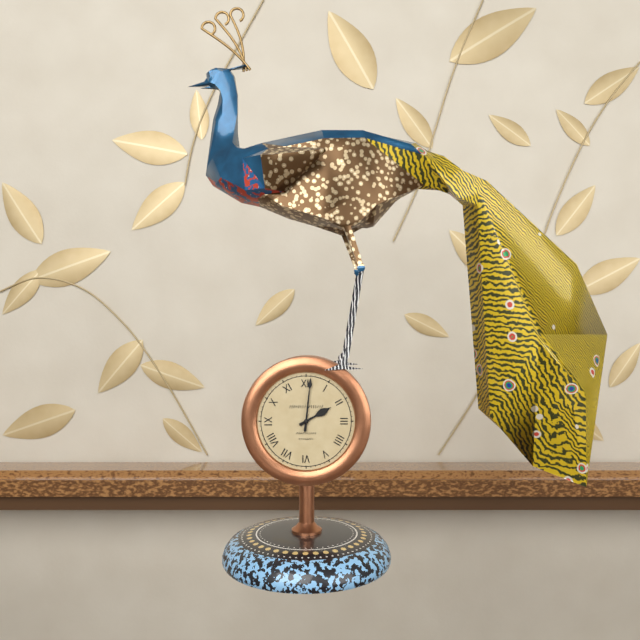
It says 2:01
